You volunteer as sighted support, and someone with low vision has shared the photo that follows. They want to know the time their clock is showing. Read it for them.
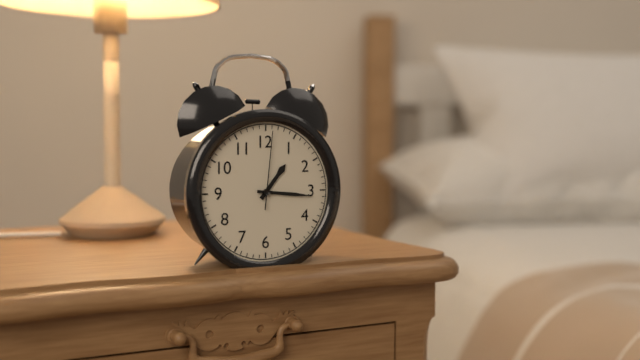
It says 1:16:01
